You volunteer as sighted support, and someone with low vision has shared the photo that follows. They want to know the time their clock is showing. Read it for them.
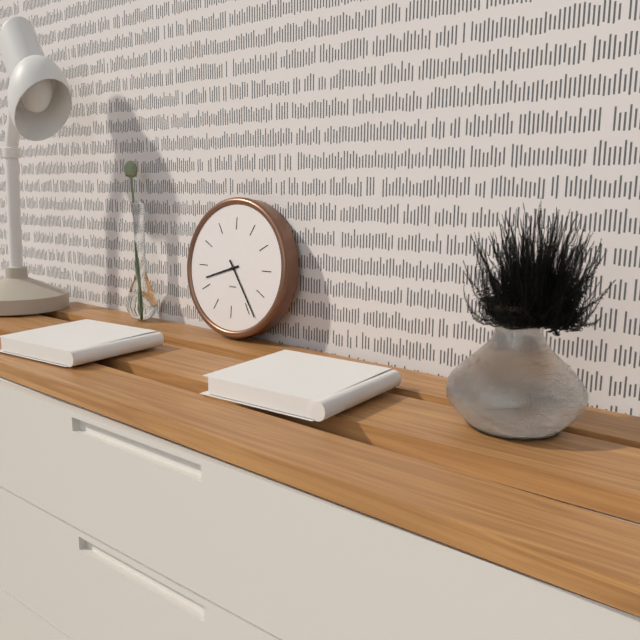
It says 8:24
